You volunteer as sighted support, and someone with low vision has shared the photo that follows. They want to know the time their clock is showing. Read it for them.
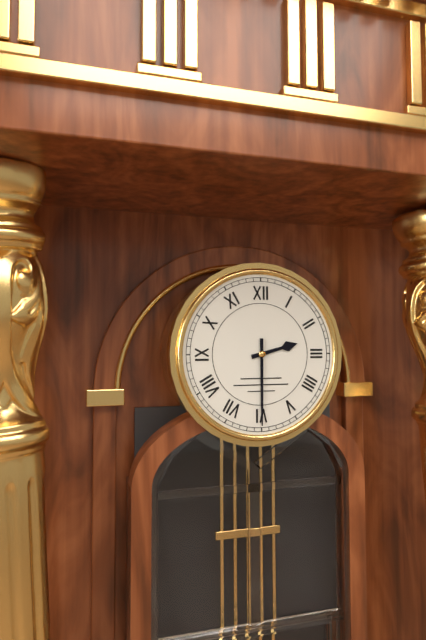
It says 2:30
